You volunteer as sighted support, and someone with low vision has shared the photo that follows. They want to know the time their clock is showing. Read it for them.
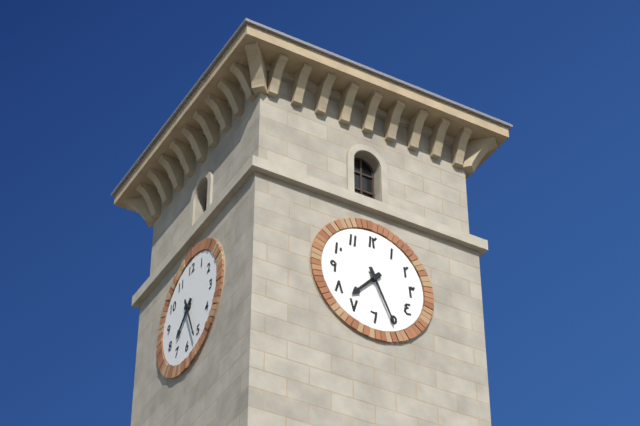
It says 7:26
